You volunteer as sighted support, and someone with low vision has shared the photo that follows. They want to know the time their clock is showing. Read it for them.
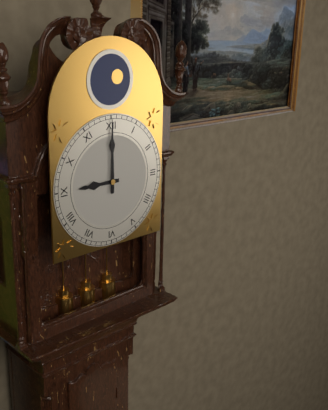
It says 9:00
